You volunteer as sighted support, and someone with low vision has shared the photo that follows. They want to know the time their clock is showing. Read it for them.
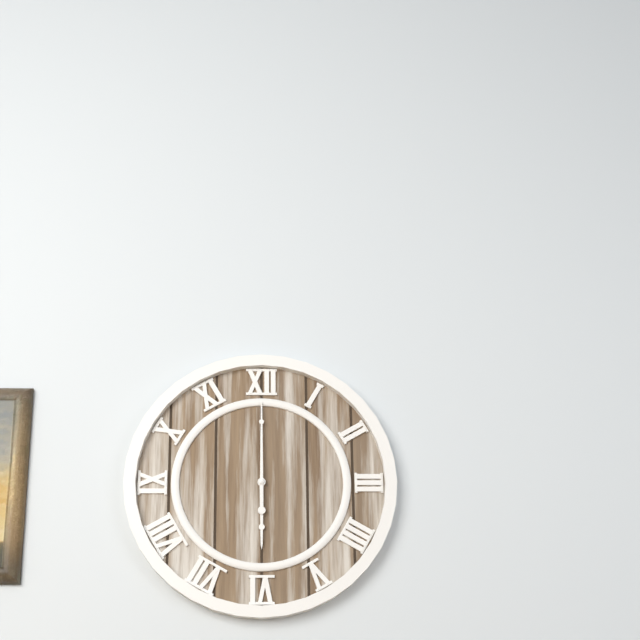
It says 6:00
